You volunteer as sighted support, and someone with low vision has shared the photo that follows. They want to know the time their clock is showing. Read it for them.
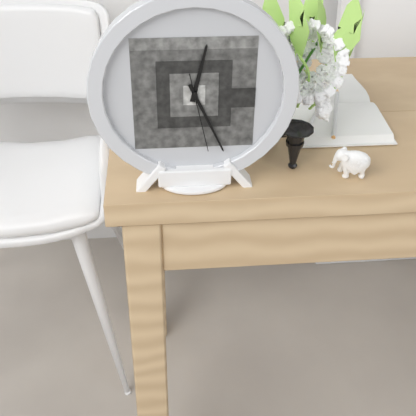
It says 12:26:28
